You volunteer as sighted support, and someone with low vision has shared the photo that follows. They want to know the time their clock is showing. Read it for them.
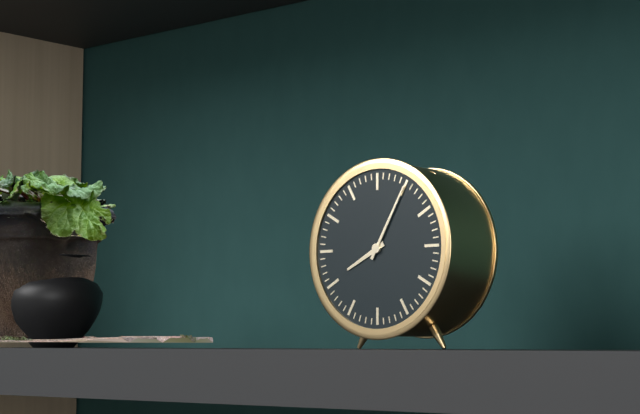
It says 8:05
